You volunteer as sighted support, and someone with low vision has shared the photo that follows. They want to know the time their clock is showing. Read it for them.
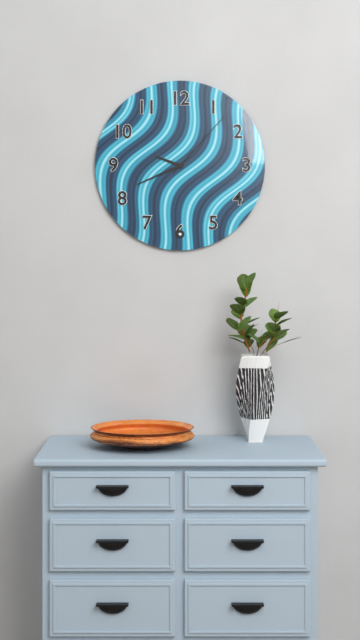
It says 9:41:07
